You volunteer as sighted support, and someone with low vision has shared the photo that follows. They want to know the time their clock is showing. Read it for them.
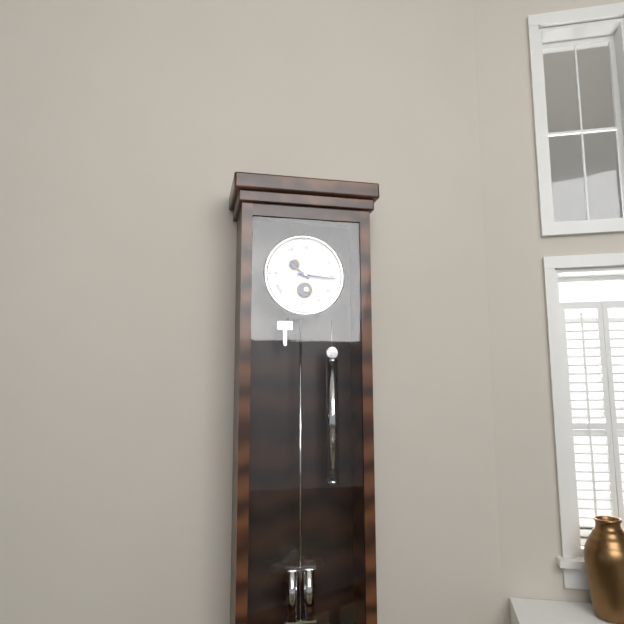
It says 10:16
